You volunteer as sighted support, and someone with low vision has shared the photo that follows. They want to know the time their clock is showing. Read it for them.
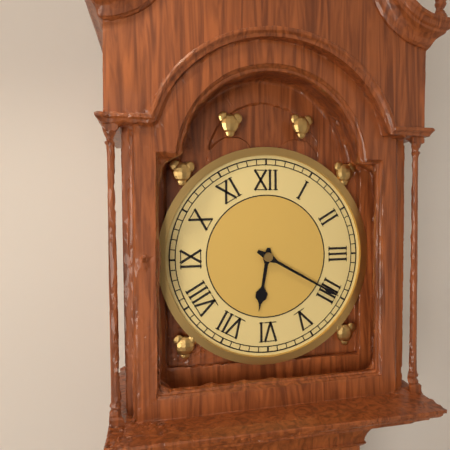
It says 6:20
